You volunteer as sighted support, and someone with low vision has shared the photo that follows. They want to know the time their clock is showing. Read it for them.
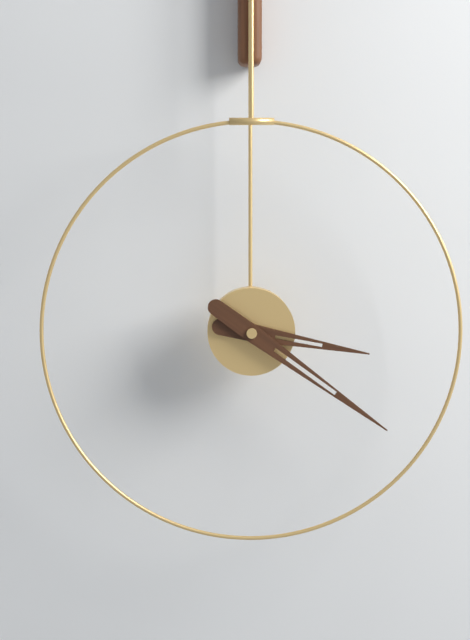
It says 3:21
